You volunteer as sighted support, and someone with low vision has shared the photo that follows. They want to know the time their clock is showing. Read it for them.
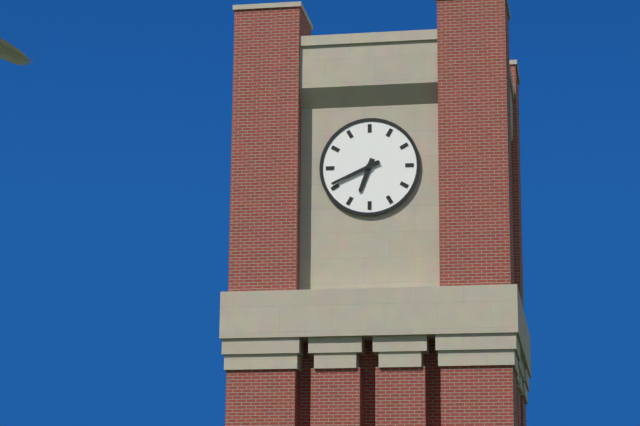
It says 6:41
